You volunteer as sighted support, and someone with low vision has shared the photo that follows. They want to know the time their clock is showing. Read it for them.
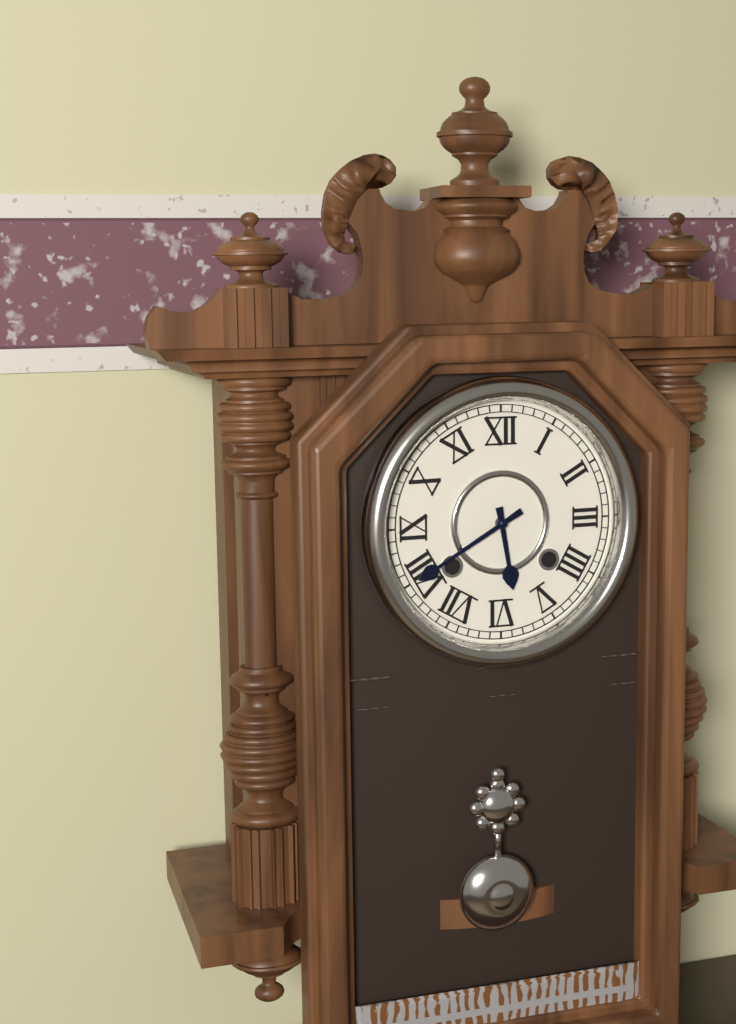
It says 5:40
